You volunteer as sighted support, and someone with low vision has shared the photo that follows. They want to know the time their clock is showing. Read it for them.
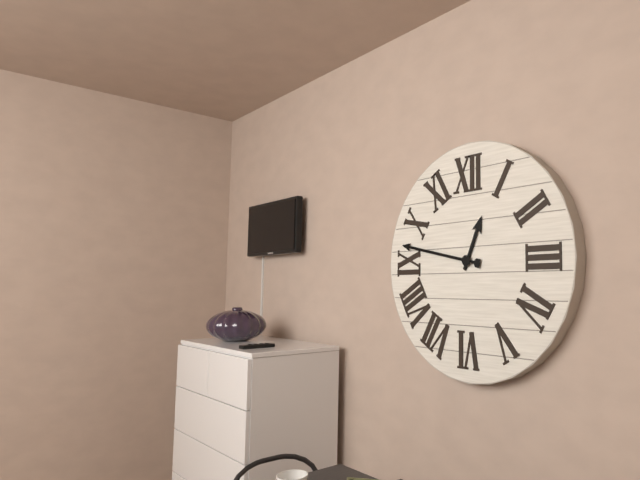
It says 12:47
